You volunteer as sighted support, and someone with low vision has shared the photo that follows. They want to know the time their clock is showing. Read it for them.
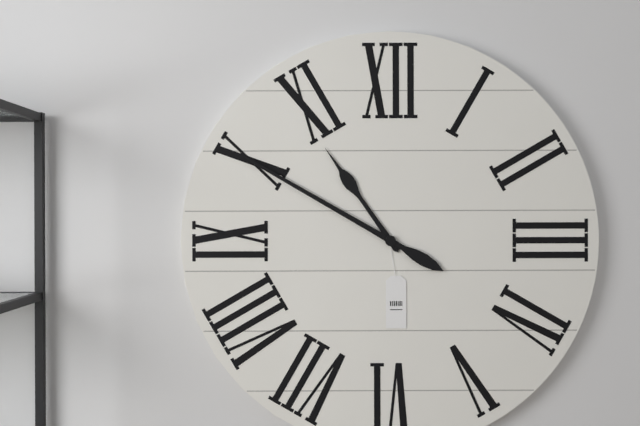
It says 10:50
